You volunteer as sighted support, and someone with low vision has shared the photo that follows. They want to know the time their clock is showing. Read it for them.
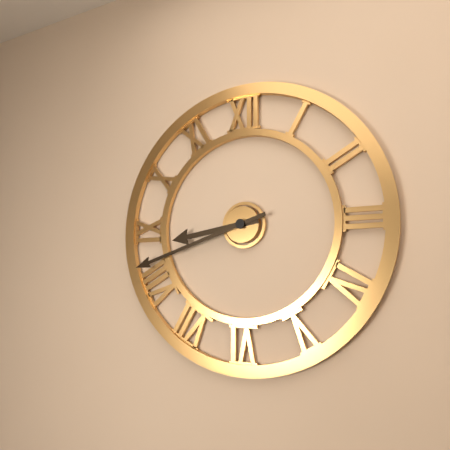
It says 8:42
